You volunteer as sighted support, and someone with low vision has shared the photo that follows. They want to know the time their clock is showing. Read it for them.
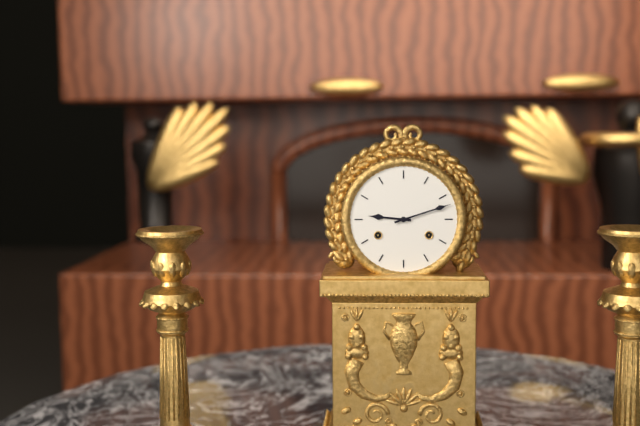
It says 9:12
